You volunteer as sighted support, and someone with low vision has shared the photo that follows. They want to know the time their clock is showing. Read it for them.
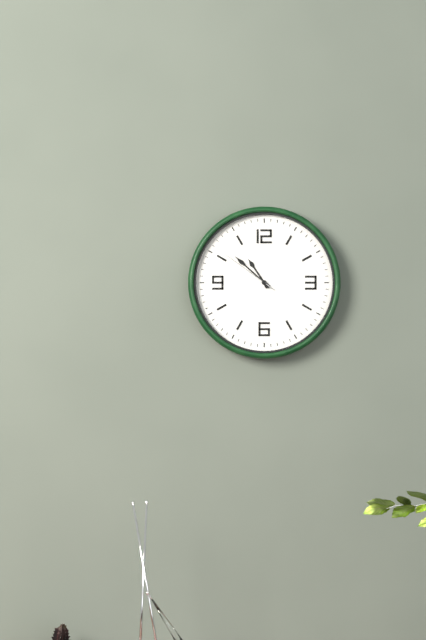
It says 10:52:51
